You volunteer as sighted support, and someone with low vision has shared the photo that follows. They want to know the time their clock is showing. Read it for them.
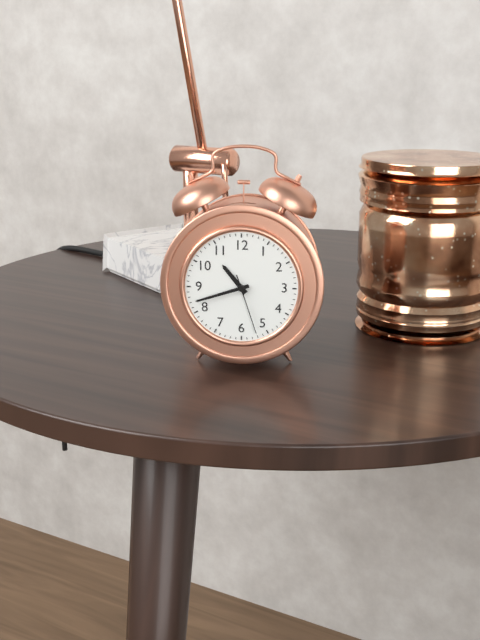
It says 10:42:27
